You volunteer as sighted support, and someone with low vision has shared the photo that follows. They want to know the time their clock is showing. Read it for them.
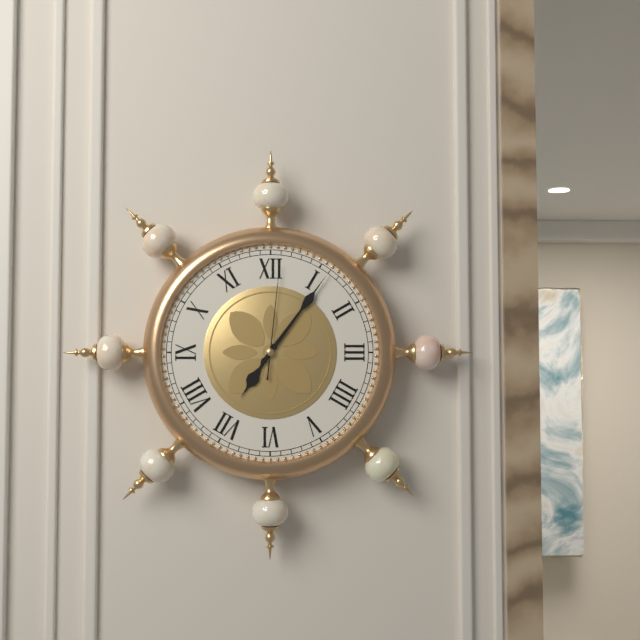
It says 7:06:01
